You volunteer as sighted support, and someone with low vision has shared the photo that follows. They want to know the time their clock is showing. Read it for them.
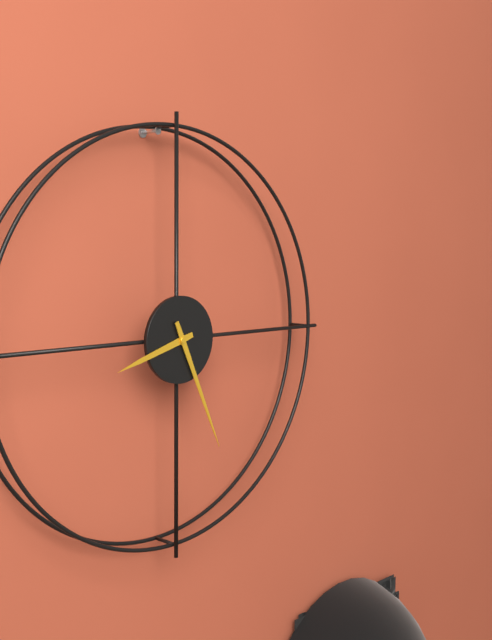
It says 8:26
